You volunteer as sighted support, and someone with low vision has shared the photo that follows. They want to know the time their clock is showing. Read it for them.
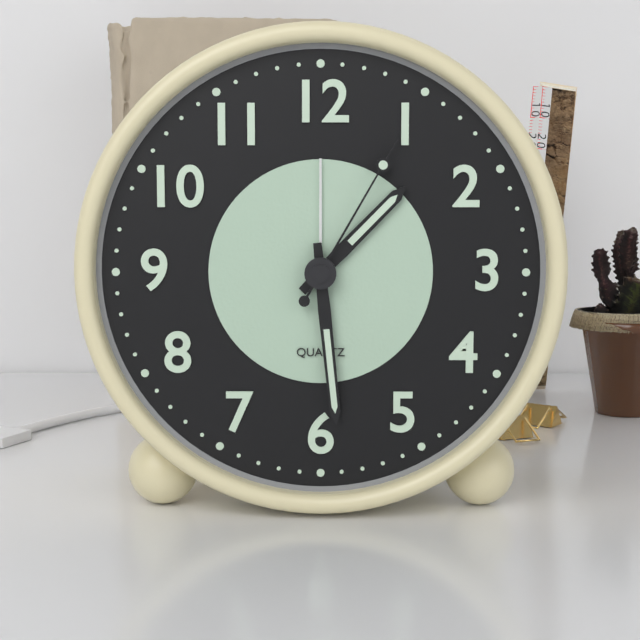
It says 1:29:05
